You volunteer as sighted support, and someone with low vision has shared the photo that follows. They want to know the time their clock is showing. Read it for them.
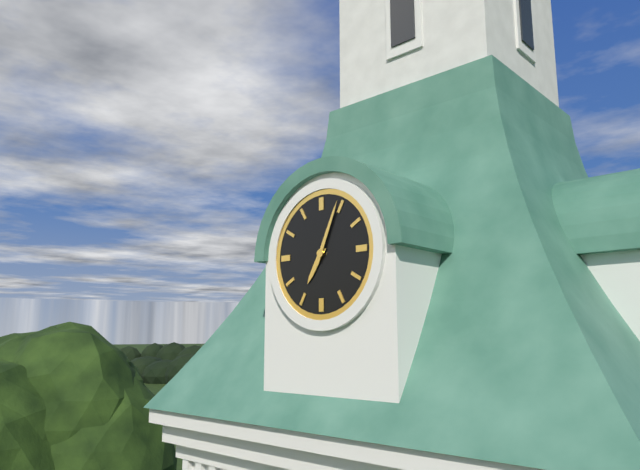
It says 7:04
